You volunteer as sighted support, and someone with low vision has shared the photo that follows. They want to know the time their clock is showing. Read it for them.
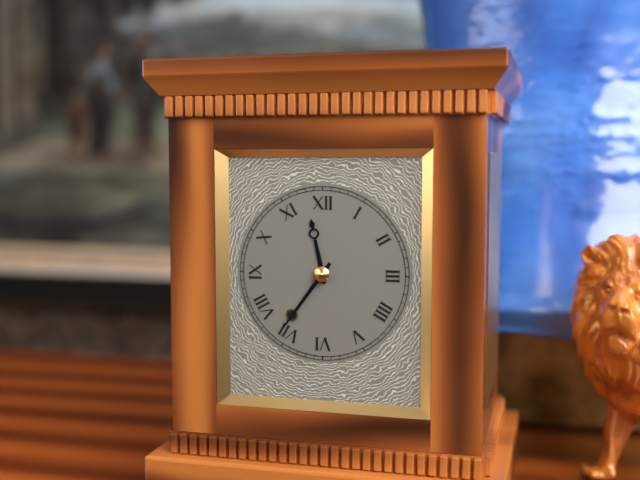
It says 11:36
